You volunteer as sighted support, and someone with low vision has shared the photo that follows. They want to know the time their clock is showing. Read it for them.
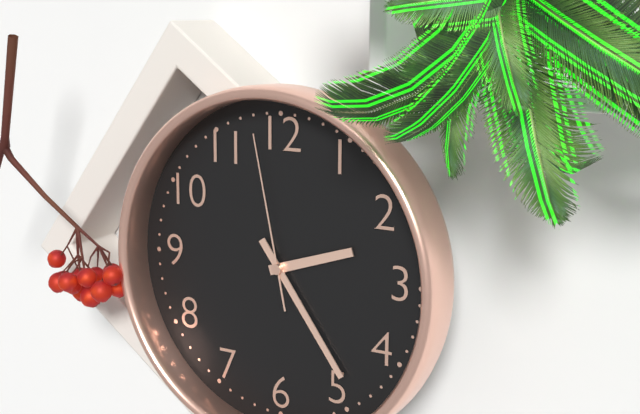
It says 2:24:58
